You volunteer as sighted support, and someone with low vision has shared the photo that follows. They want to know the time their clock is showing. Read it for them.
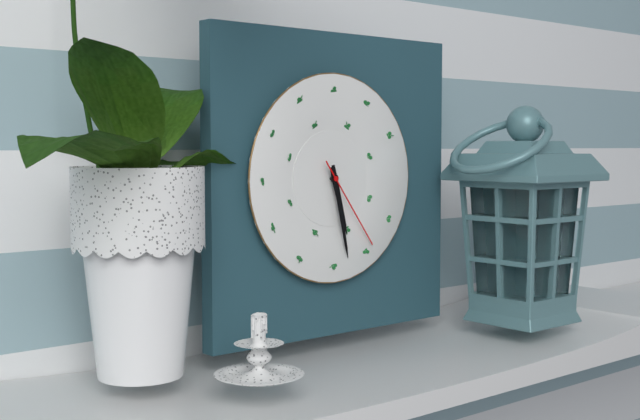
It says 5:28:24
